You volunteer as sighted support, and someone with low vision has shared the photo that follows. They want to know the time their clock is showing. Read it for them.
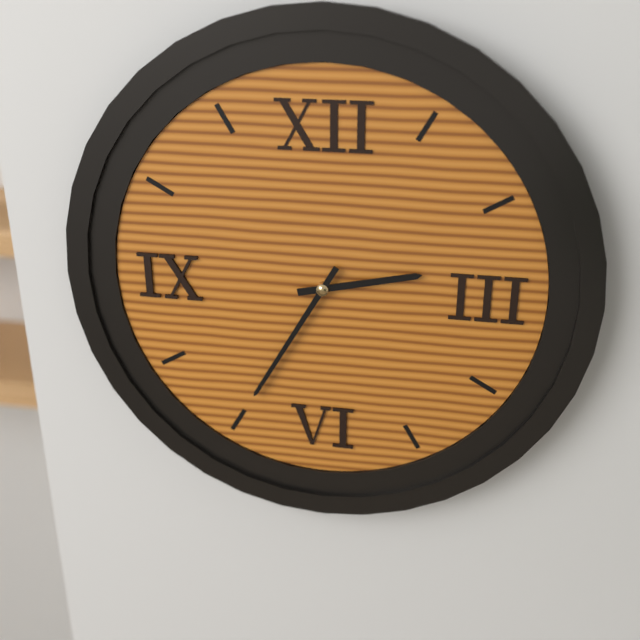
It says 2:35
